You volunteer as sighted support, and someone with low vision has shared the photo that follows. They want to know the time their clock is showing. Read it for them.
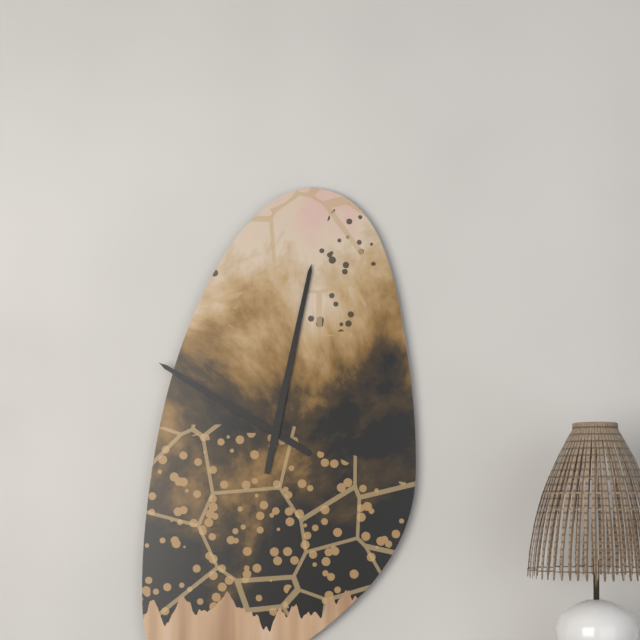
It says 10:02
